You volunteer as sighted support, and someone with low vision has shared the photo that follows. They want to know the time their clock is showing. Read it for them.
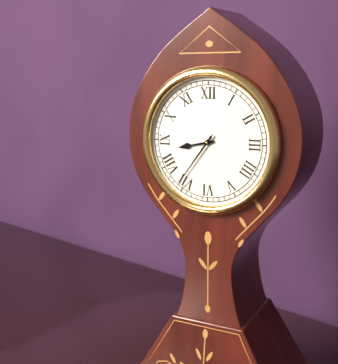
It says 8:36
